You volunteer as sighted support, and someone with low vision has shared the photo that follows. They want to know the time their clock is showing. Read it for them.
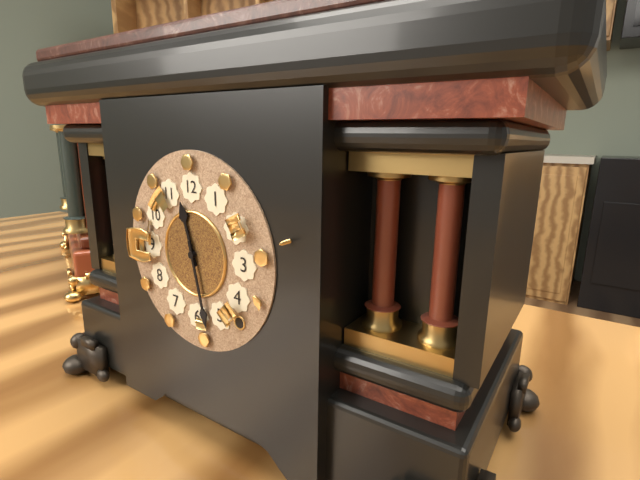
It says 11:28
